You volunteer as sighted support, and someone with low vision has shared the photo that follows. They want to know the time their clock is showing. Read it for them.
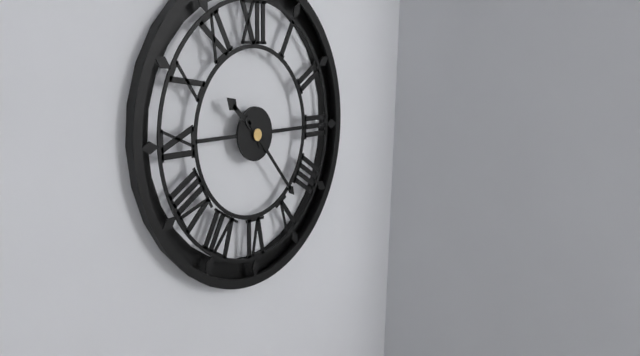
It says 10:23
